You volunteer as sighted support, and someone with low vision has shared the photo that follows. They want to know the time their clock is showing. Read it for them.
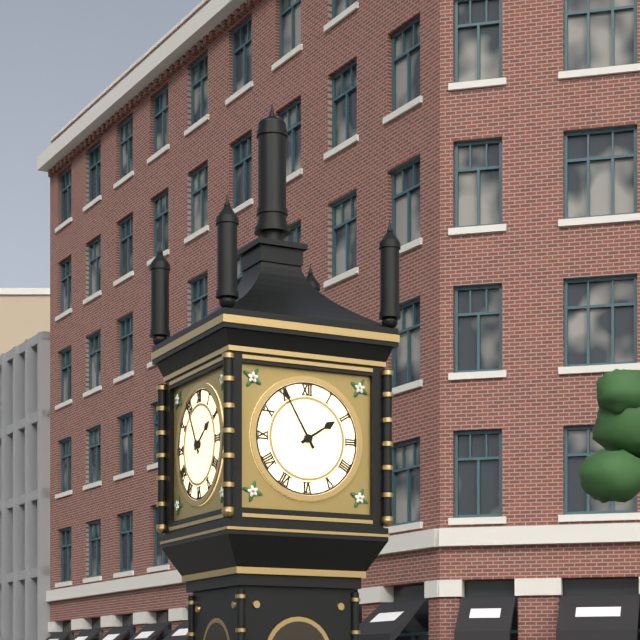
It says 1:55
